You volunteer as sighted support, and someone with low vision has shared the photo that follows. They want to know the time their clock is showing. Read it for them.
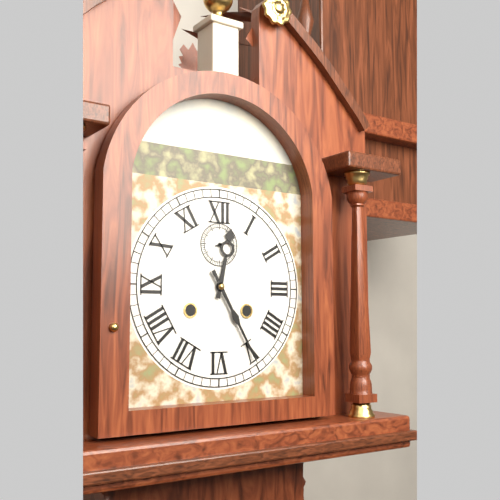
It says 12:25
